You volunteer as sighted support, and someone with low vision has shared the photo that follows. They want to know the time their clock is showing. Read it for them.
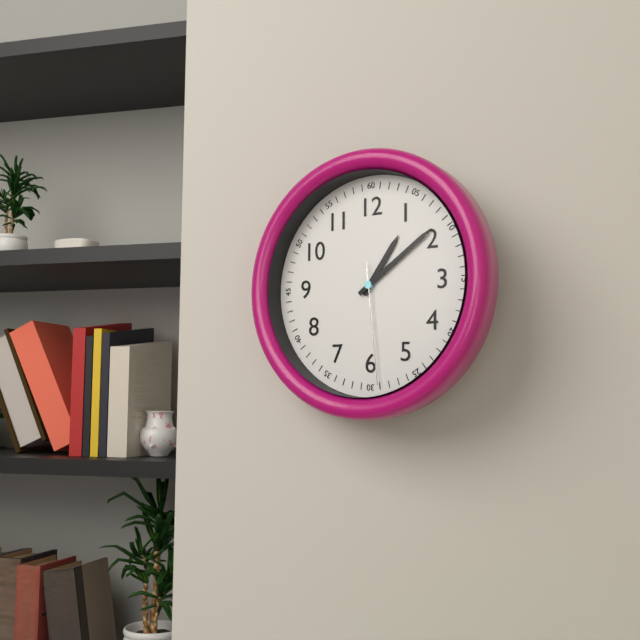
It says 1:09:29
